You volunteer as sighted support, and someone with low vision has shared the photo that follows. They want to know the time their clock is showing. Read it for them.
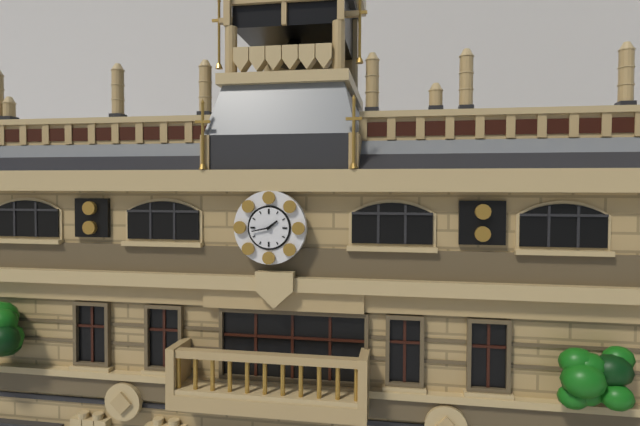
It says 1:43
